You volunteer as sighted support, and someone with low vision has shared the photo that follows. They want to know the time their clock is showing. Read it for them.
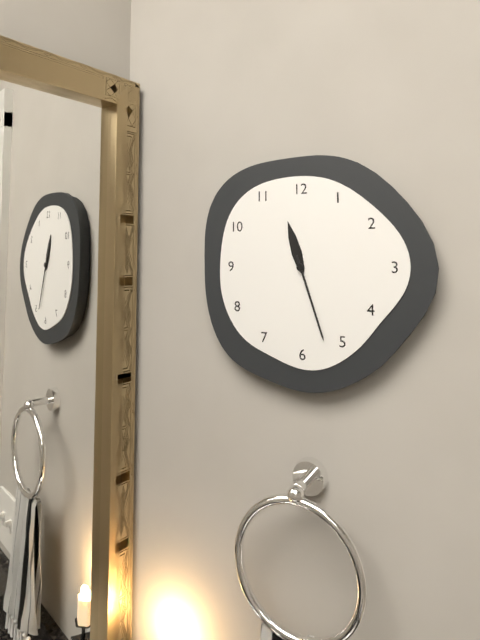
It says 11:27
